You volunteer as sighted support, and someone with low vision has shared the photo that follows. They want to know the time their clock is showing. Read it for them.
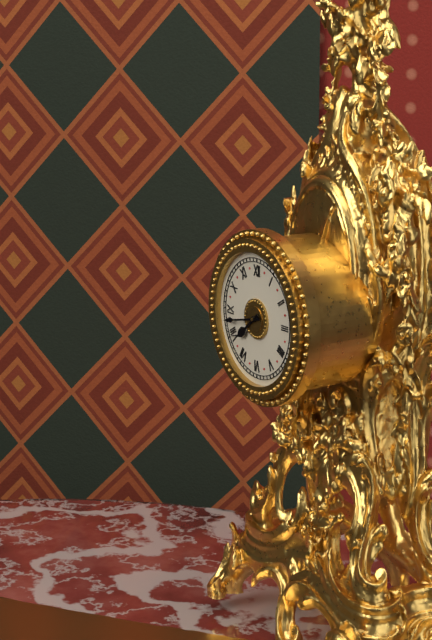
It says 7:43
